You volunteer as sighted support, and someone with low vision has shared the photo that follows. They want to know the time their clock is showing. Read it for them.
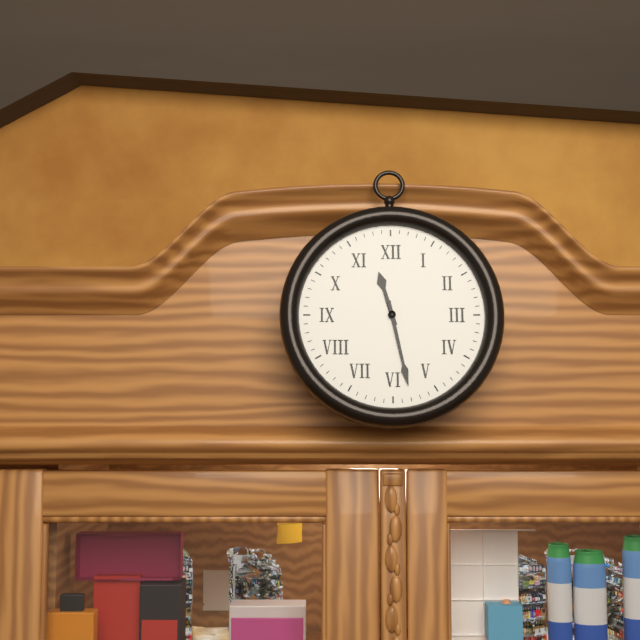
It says 11:28
